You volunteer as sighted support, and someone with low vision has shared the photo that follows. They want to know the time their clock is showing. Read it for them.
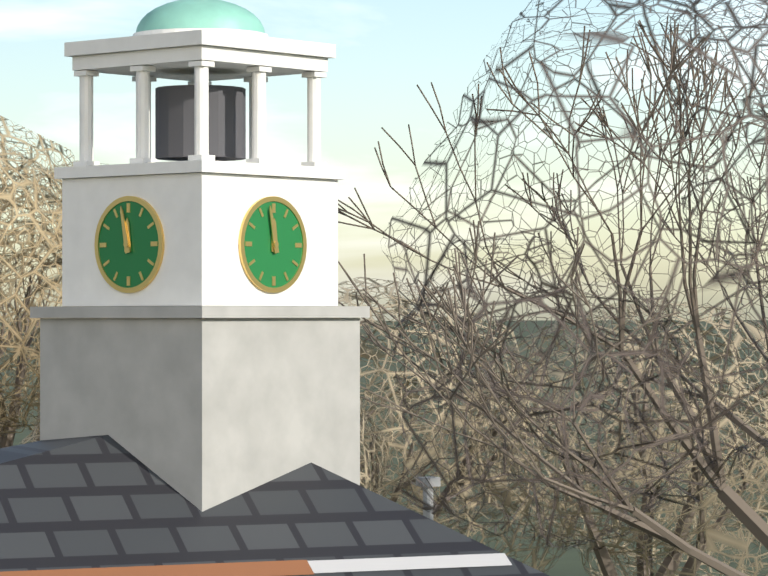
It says 11:58
